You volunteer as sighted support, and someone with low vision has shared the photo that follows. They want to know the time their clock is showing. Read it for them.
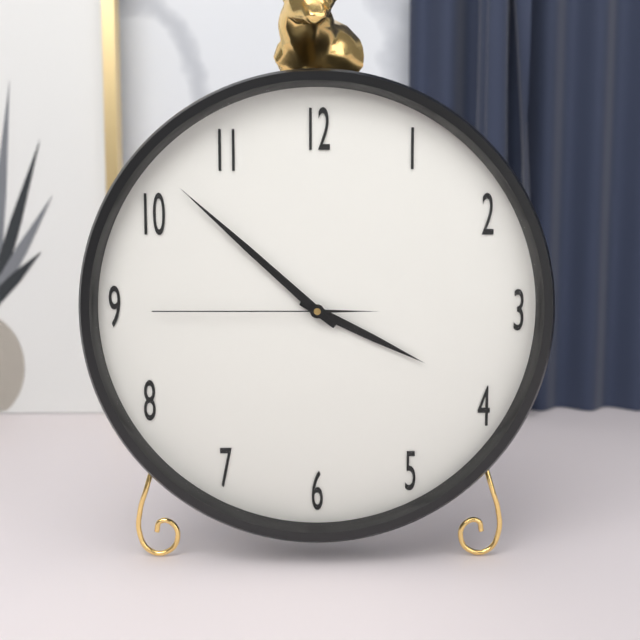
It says 3:52:45
